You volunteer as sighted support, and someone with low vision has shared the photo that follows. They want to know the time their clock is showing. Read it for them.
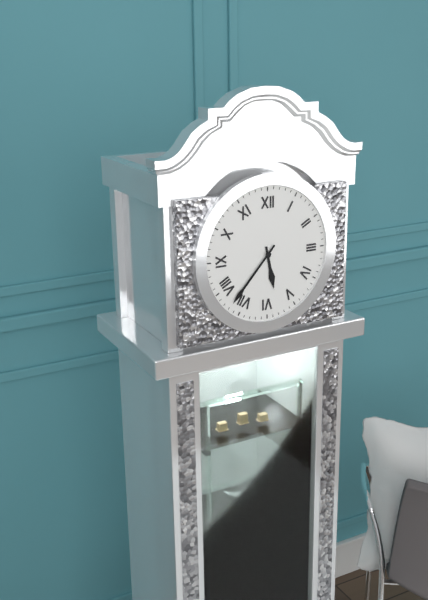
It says 5:37
